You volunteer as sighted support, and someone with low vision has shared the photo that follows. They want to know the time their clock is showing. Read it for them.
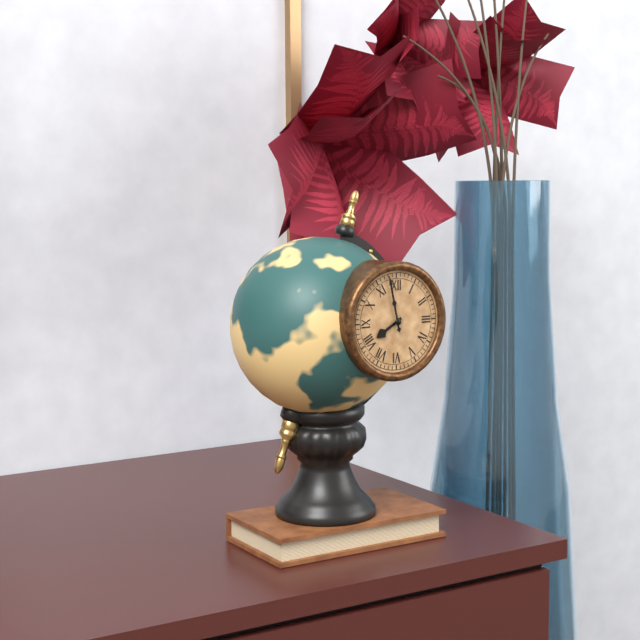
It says 7:58
